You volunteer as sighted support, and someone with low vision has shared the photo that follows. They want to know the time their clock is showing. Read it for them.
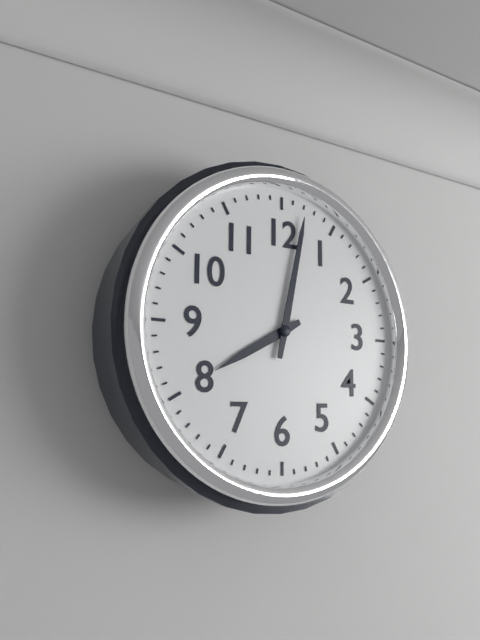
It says 8:02
